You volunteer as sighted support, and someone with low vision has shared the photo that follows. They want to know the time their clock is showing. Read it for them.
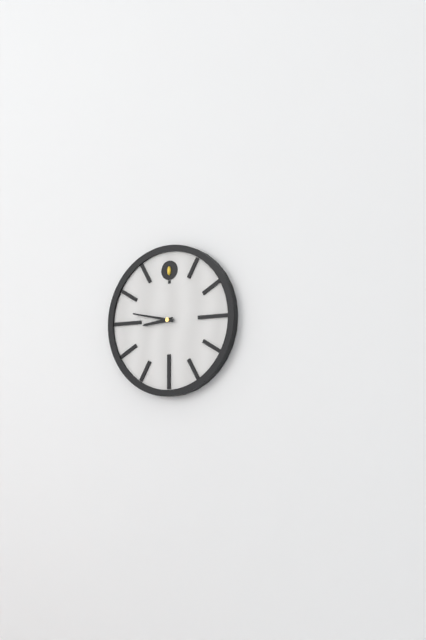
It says 8:47
